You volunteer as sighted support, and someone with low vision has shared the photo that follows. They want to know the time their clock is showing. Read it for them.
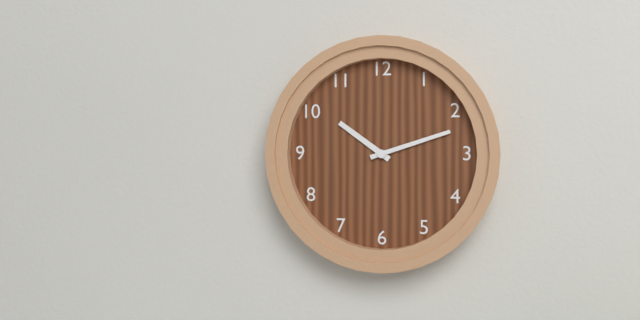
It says 10:12
